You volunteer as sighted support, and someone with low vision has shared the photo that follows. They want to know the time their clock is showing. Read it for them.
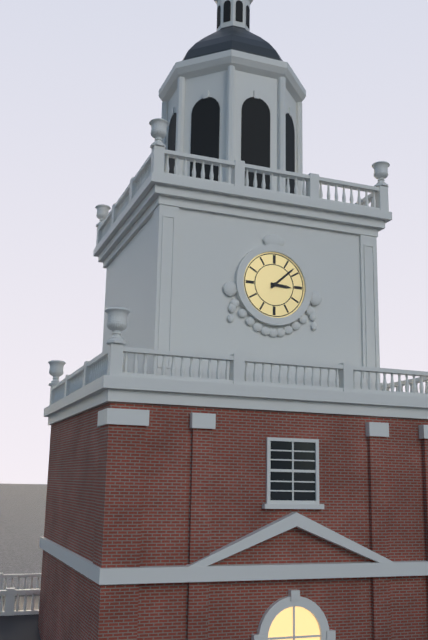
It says 3:08
